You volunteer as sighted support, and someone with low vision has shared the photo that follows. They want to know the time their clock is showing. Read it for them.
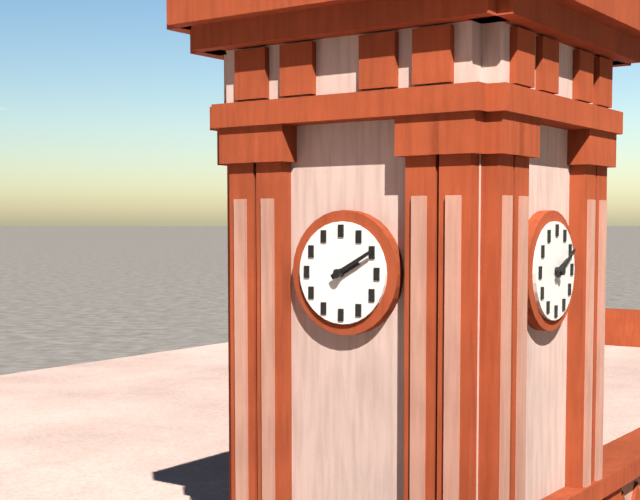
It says 2:10
